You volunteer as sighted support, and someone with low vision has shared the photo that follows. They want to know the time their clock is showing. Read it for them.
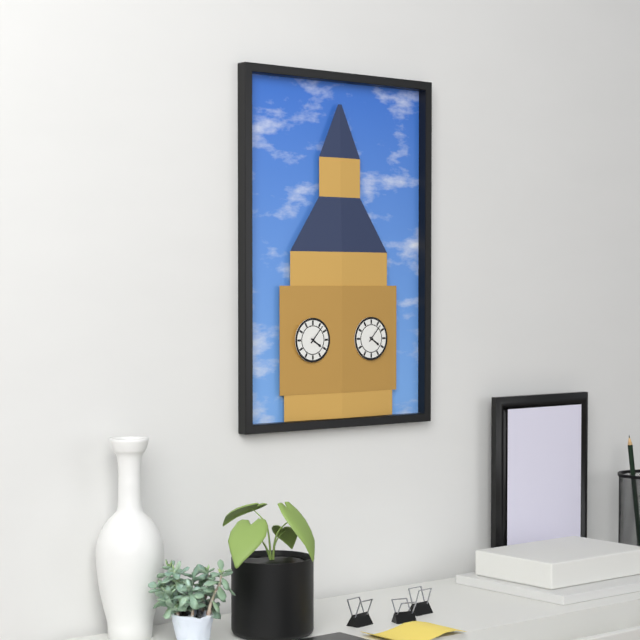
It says 4:07
